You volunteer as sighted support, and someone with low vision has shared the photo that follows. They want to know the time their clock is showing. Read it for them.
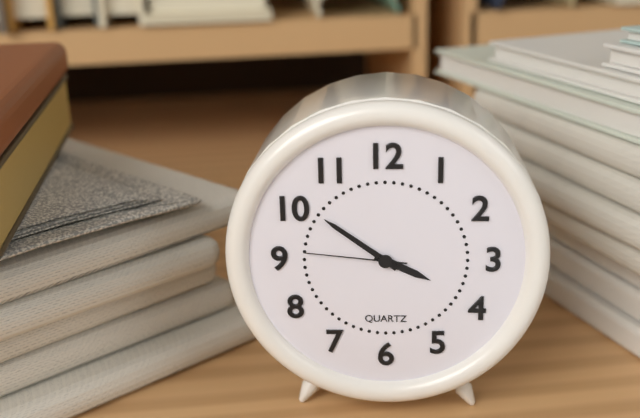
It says 3:51:46
